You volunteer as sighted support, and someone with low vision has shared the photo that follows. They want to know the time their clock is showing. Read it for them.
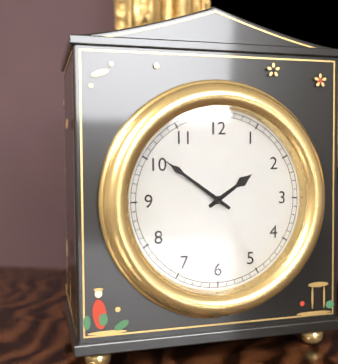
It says 1:51
